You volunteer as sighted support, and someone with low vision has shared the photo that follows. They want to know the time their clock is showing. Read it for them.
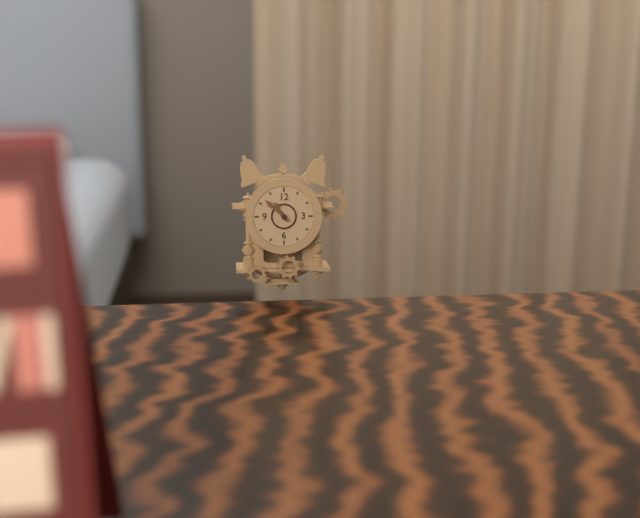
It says 10:52
